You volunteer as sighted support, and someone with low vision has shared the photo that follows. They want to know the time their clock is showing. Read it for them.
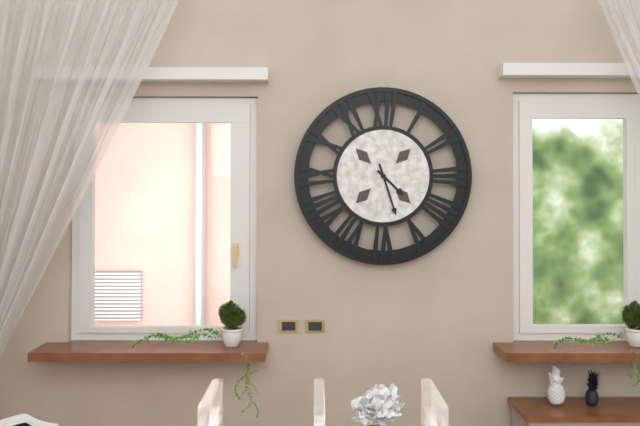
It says 4:27
